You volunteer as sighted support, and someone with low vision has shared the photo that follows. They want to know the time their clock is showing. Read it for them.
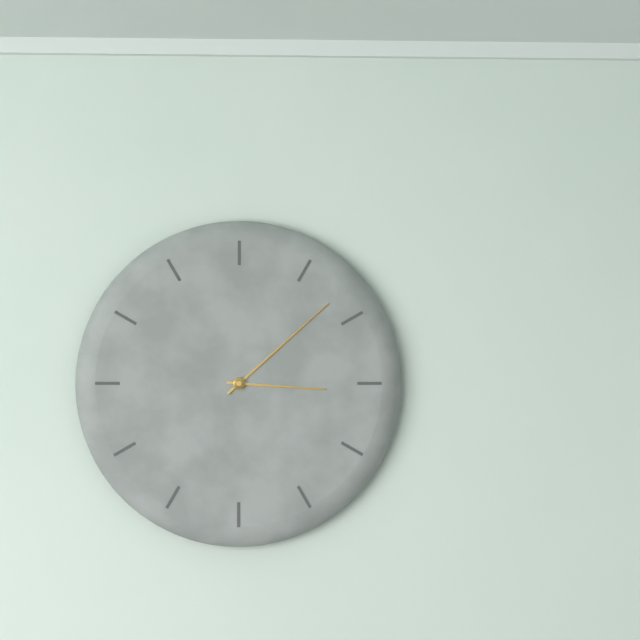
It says 3:08
